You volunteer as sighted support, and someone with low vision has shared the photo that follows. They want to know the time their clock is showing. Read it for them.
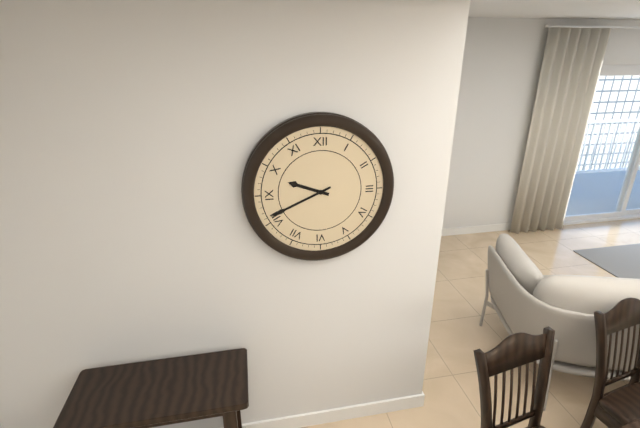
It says 9:41
